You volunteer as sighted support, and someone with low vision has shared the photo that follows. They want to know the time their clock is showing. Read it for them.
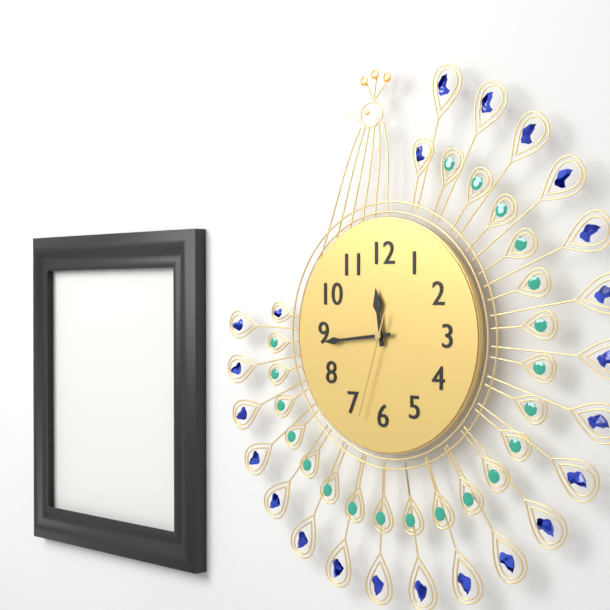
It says 11:44:33
